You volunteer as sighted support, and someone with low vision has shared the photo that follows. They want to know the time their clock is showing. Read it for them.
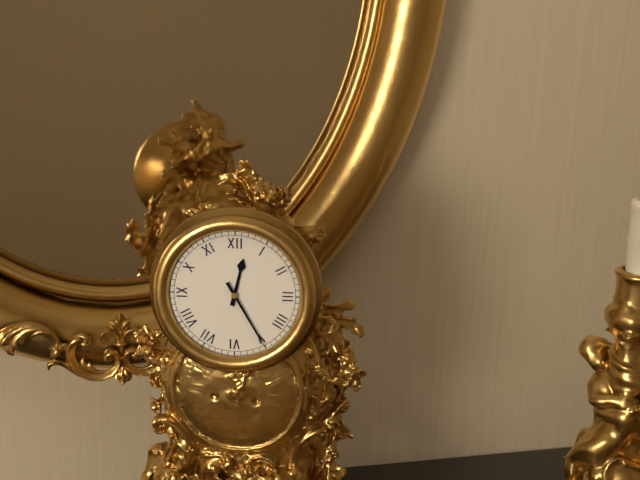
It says 12:25
